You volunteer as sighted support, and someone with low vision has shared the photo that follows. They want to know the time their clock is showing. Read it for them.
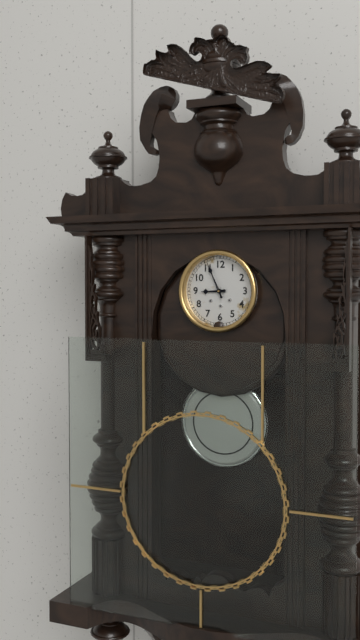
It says 8:56
